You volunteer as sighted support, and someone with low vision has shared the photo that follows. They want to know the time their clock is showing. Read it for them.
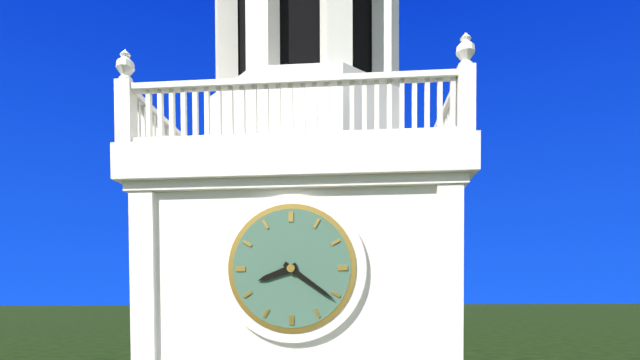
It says 8:21
